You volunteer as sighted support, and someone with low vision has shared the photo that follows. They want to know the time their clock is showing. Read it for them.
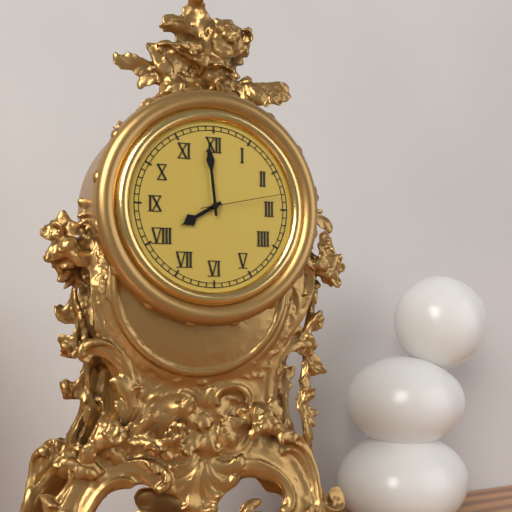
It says 7:59:13
